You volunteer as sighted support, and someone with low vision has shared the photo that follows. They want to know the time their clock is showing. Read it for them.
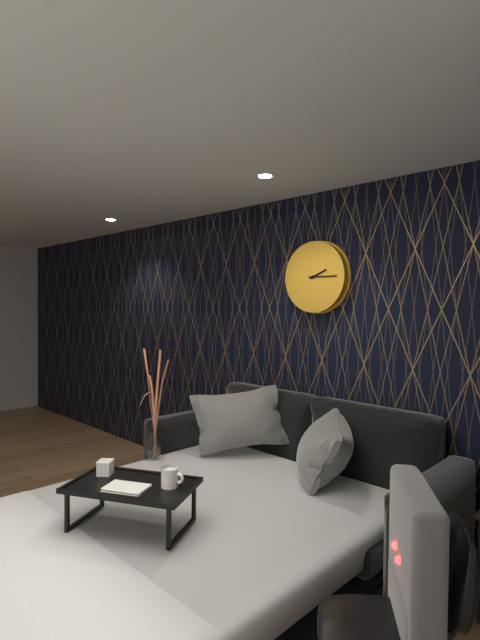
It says 2:15
